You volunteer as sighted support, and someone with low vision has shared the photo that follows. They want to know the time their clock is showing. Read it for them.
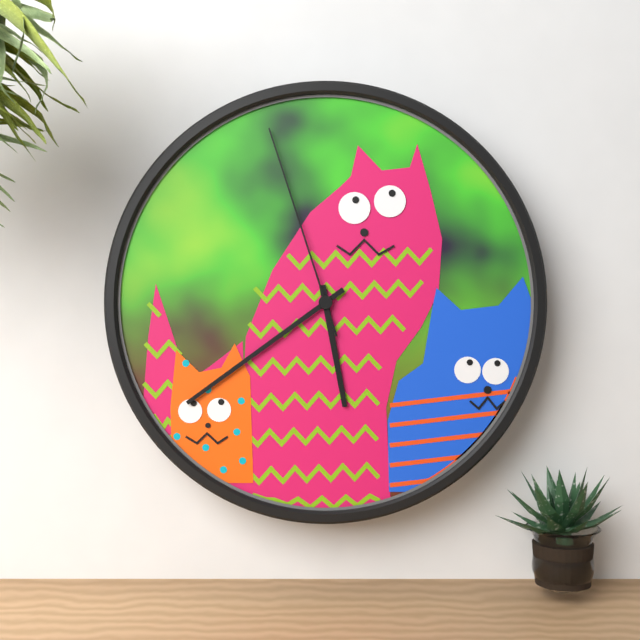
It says 5:39:57
